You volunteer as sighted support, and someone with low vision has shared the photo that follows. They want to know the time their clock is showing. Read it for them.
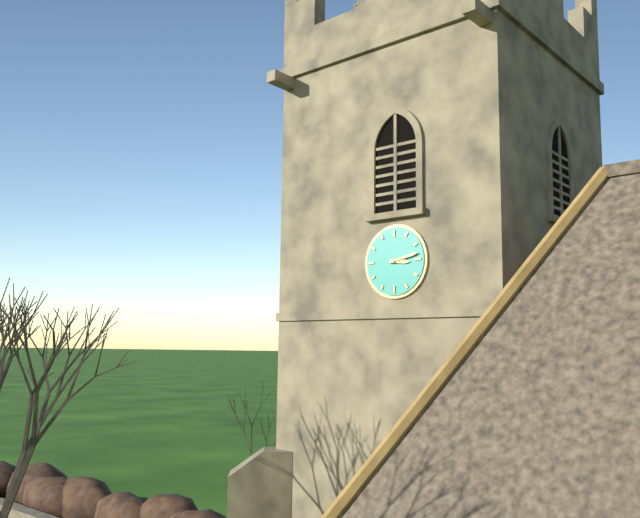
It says 3:13
